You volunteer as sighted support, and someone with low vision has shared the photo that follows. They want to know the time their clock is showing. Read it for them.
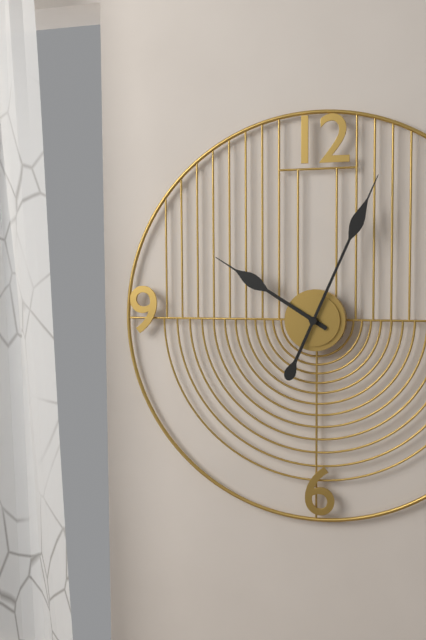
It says 10:04
